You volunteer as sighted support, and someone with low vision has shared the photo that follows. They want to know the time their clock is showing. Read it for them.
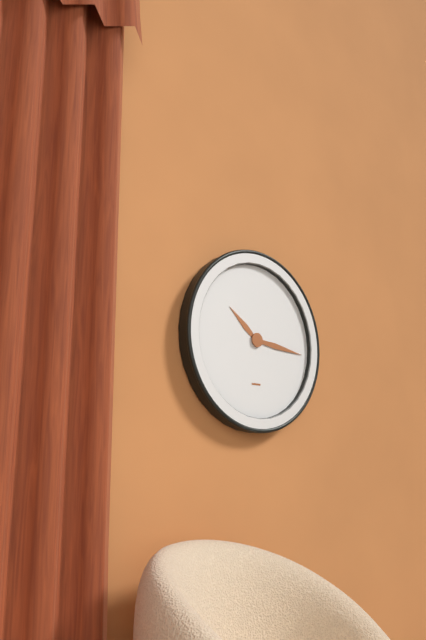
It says 10:16
